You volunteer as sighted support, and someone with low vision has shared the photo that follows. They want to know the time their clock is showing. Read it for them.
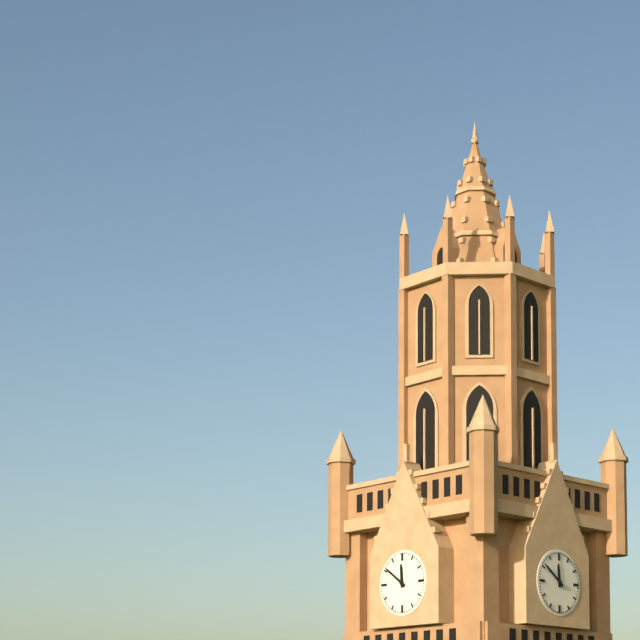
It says 11:51
